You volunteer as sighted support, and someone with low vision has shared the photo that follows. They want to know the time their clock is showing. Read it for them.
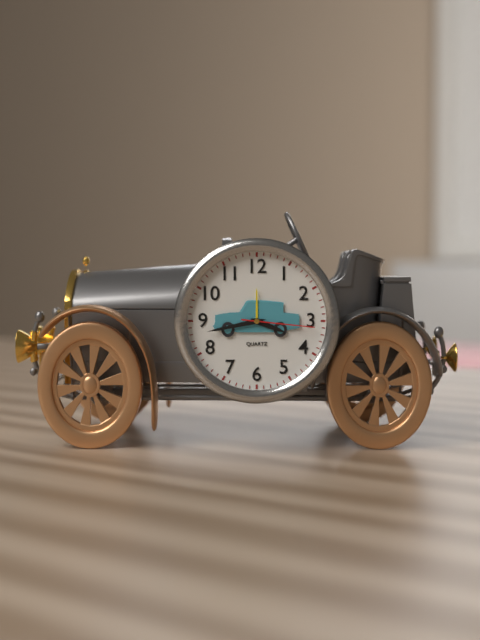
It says 3:43:16
